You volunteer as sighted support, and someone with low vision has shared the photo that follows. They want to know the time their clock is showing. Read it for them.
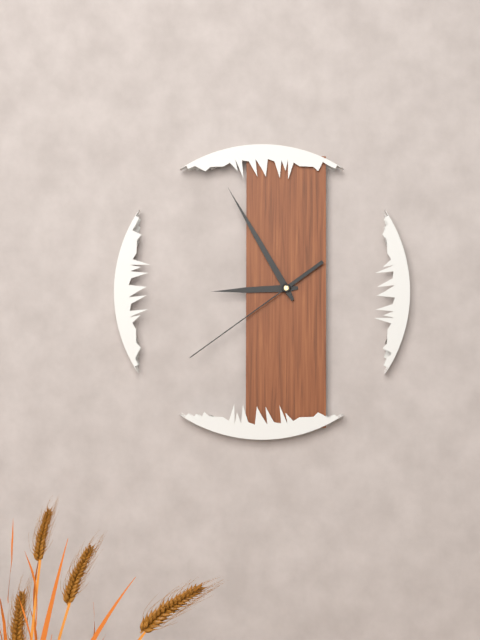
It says 8:55:39
